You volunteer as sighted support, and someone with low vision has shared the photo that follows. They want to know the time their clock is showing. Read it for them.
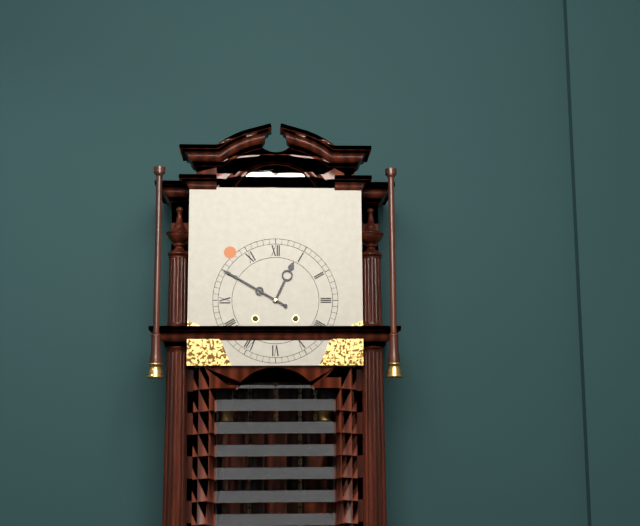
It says 12:50
